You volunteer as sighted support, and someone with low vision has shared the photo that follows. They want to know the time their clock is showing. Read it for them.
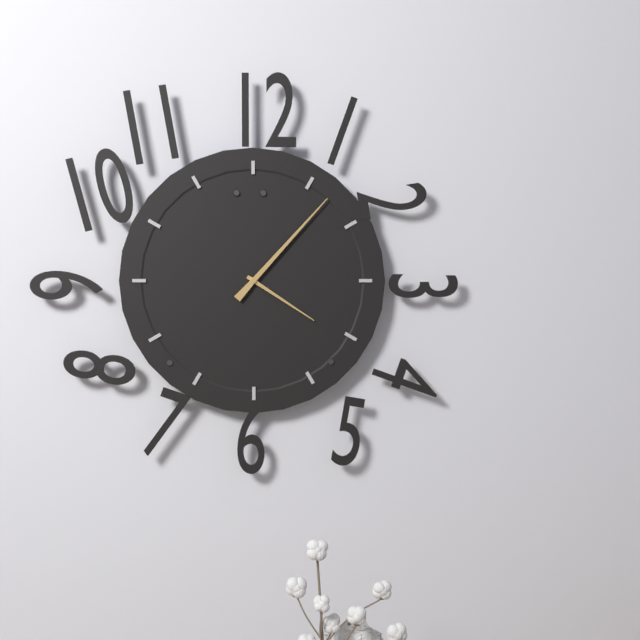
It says 4:07
